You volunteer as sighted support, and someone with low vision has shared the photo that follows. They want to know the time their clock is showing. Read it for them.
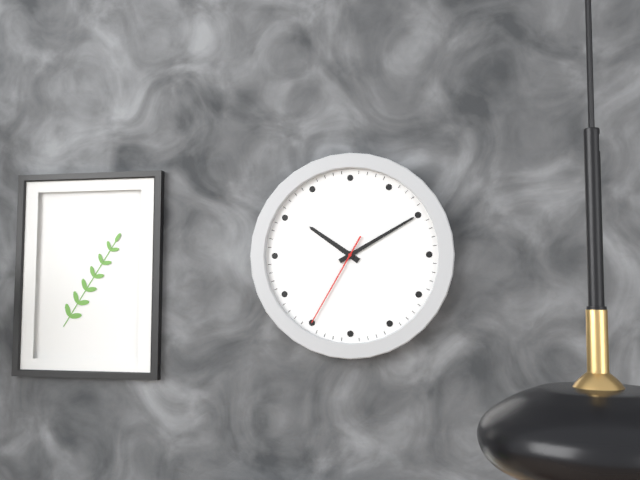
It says 10:10:35
